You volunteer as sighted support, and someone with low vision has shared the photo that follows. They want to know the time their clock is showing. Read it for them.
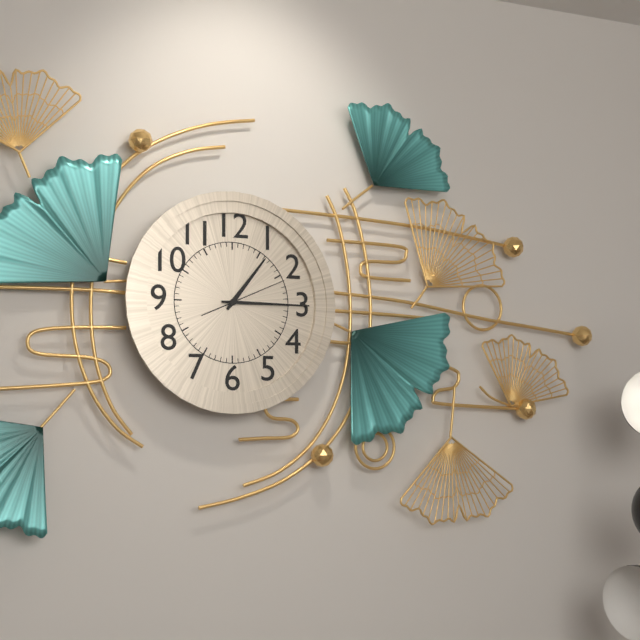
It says 1:15:11
